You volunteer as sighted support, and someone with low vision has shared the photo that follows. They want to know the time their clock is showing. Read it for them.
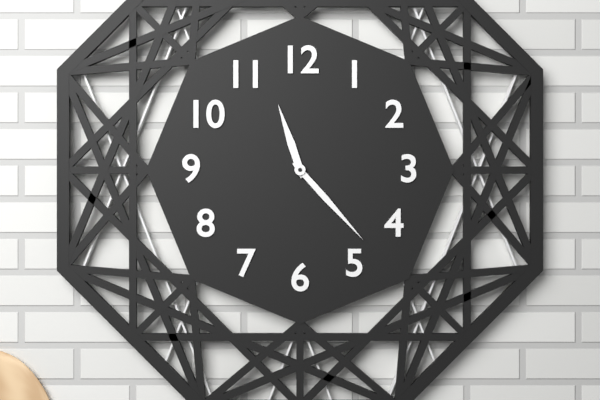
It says 11:23
